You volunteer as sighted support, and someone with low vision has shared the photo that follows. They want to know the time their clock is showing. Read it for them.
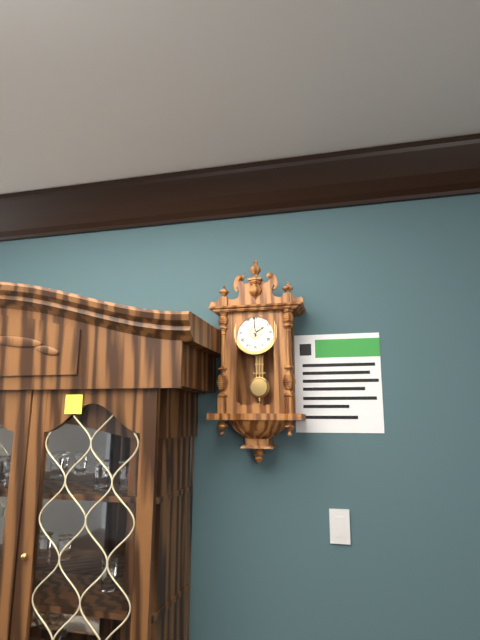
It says 1:59
